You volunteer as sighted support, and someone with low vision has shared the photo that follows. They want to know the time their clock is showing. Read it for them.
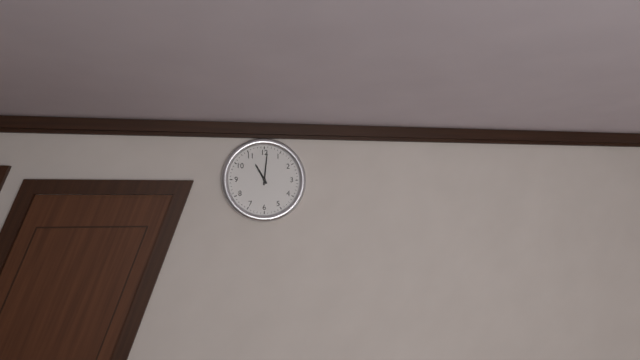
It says 11:01
